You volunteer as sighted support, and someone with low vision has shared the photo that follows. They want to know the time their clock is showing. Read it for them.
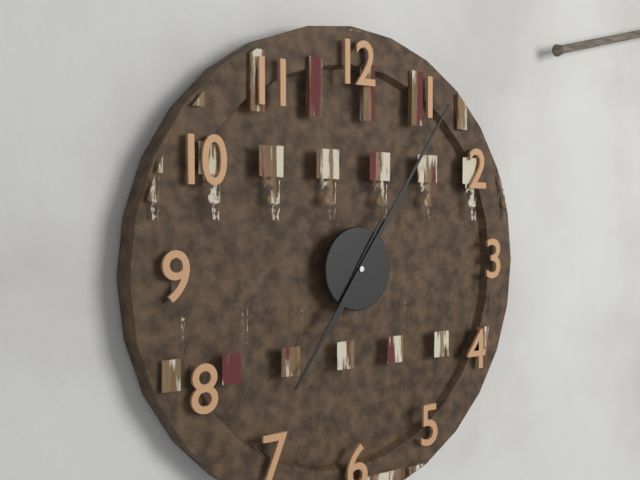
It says 7:06
